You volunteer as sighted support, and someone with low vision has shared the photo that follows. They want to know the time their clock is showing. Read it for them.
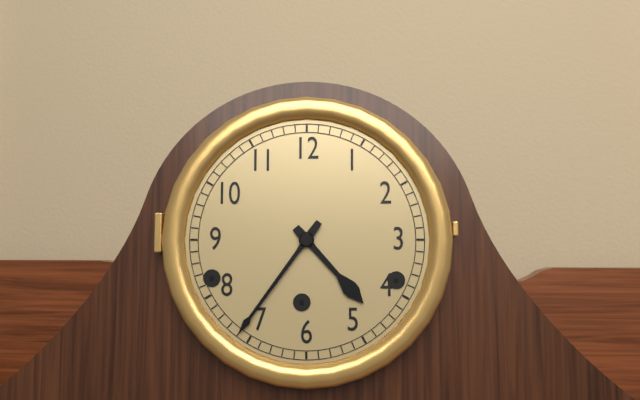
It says 4:36
